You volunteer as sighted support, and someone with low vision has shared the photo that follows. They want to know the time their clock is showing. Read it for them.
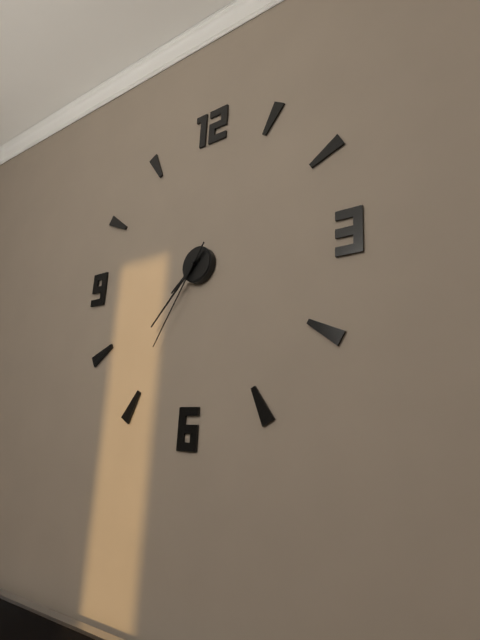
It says 7:37:35
